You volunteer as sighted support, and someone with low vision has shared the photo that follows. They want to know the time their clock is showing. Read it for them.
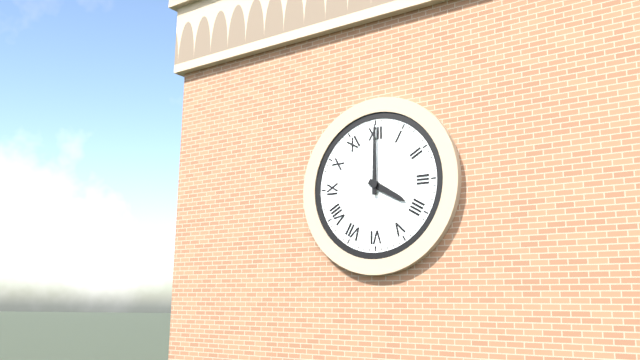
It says 4:00
